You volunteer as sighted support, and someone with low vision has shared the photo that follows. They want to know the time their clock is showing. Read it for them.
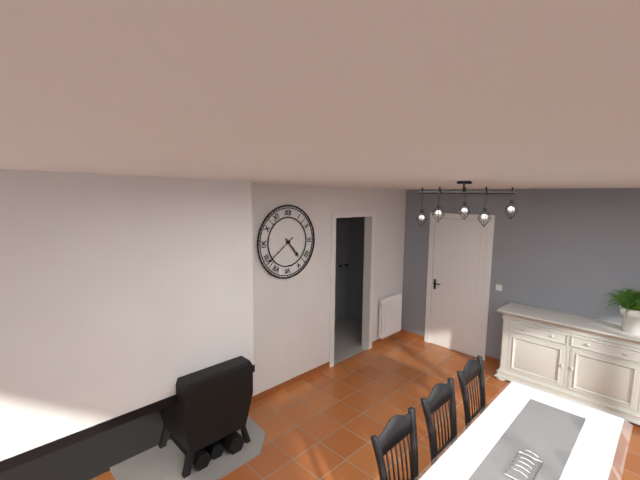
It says 4:39
